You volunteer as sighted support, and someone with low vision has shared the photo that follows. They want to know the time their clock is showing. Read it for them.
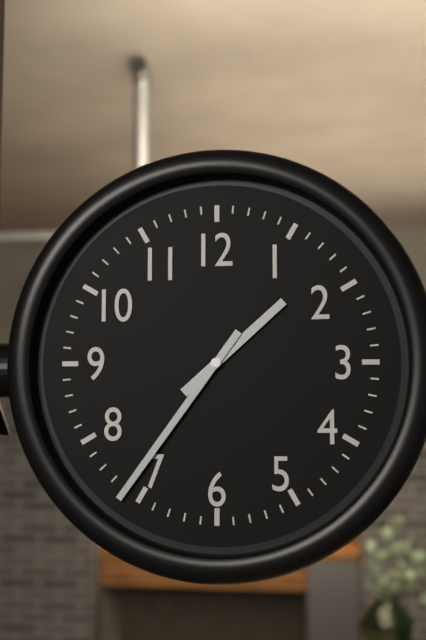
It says 1:36
